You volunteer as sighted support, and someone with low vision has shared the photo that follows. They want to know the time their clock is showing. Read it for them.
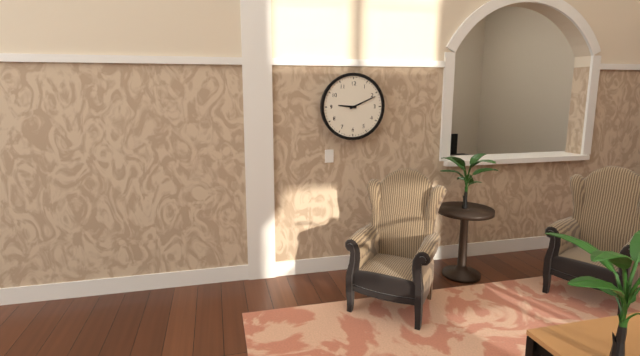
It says 9:11
